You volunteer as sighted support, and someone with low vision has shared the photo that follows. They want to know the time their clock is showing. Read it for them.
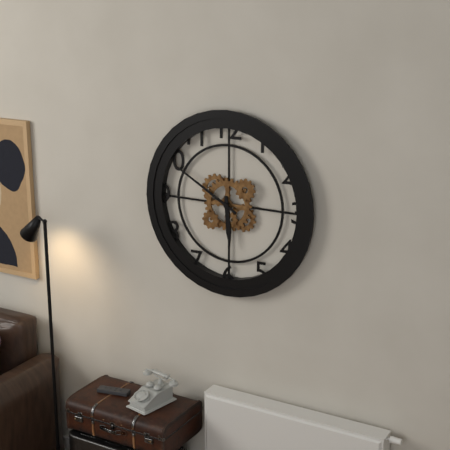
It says 5:50
